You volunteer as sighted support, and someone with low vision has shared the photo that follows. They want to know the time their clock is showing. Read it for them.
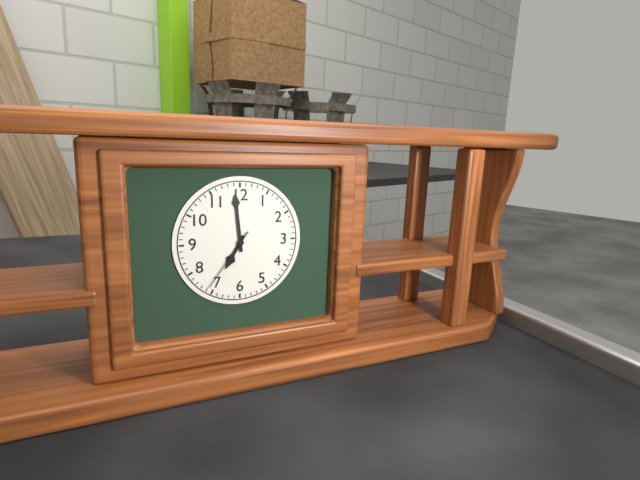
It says 6:59:36
